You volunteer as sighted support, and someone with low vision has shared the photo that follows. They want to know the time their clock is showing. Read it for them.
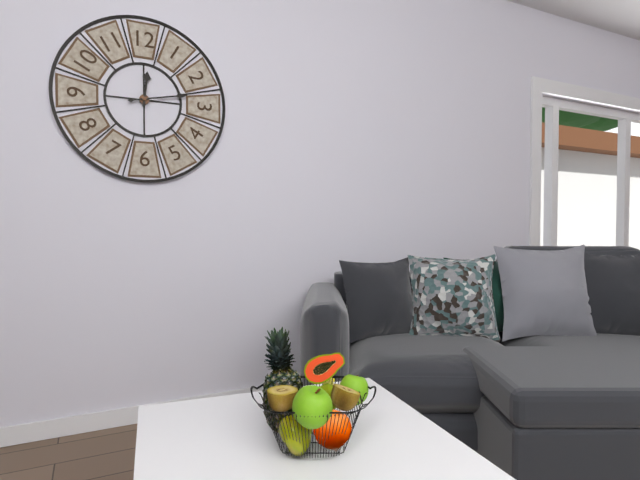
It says 12:13
